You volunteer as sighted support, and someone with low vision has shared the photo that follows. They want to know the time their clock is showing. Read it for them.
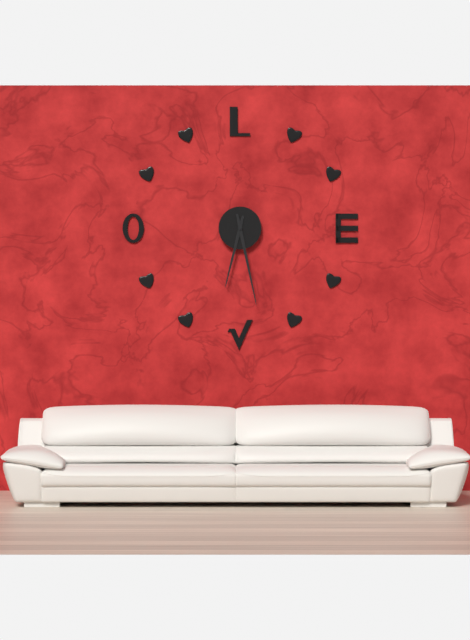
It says 6:28
